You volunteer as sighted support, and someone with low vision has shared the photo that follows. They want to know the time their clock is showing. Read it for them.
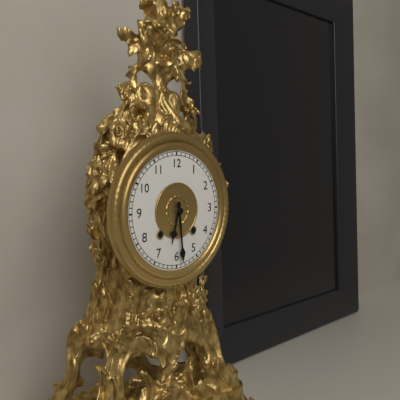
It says 6:29
